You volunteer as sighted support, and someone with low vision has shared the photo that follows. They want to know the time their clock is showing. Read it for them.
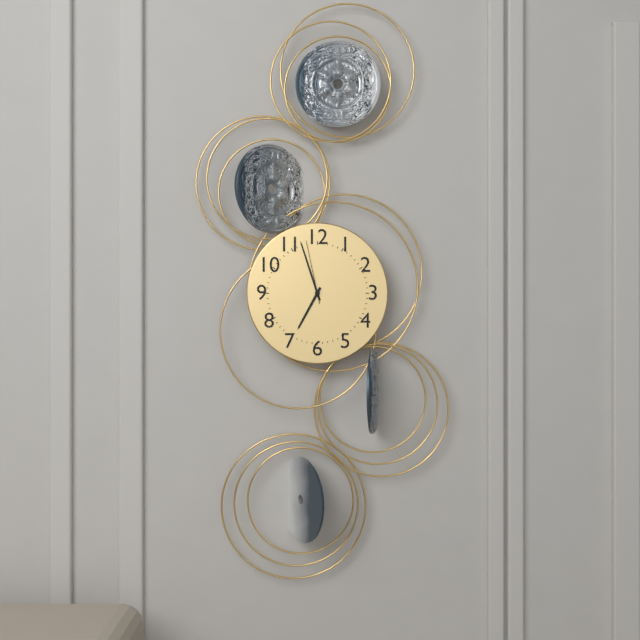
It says 6:57:58
